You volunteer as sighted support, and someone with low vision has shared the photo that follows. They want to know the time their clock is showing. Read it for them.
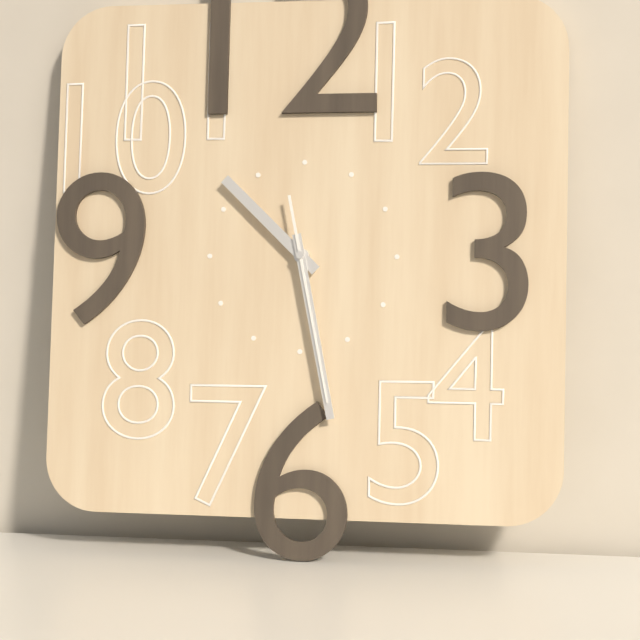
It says 10:28:28
